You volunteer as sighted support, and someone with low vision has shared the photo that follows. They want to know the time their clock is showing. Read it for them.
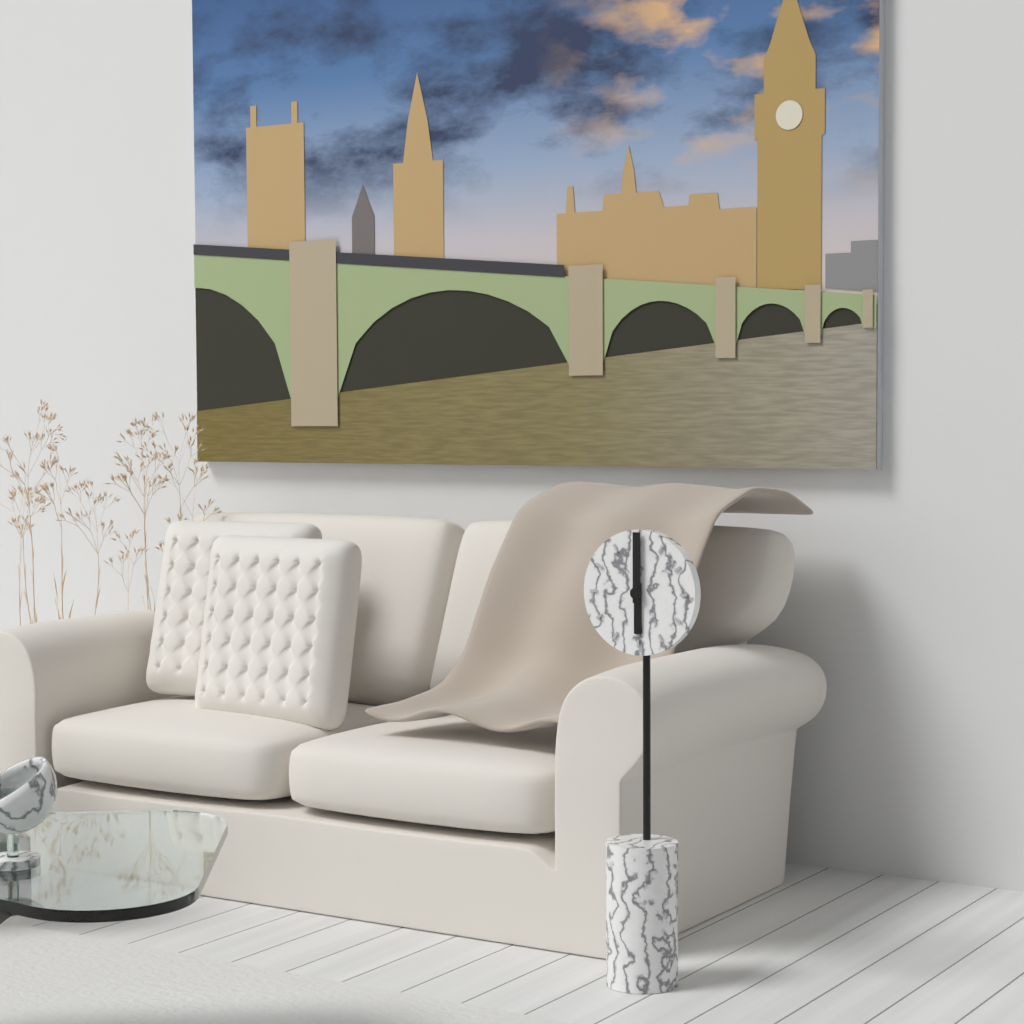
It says 6:00
